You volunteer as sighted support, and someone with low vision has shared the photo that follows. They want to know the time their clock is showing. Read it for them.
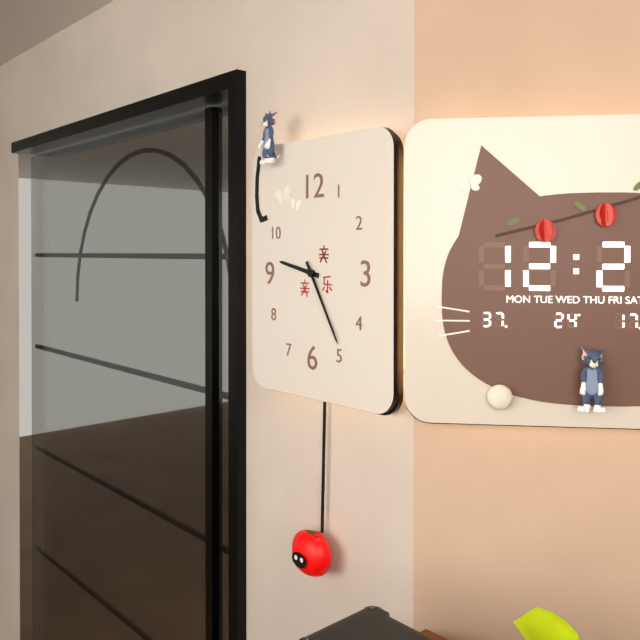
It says 9:25
